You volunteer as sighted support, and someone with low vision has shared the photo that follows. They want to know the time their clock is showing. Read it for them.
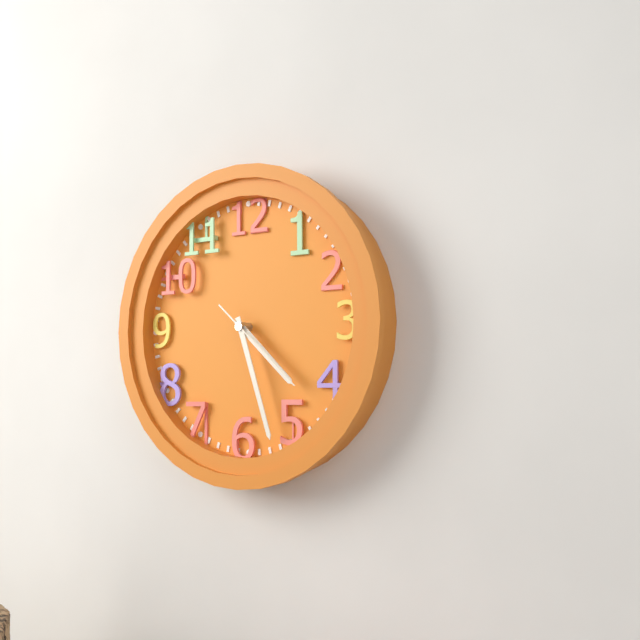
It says 4:27:22
